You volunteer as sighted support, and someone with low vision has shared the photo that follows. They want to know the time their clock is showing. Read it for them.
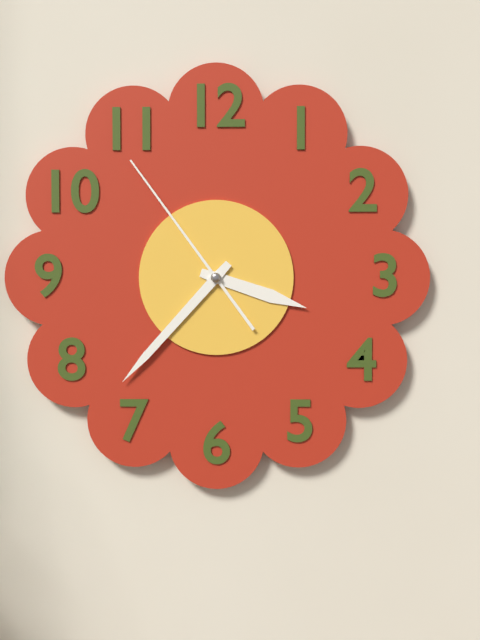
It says 3:37:54
